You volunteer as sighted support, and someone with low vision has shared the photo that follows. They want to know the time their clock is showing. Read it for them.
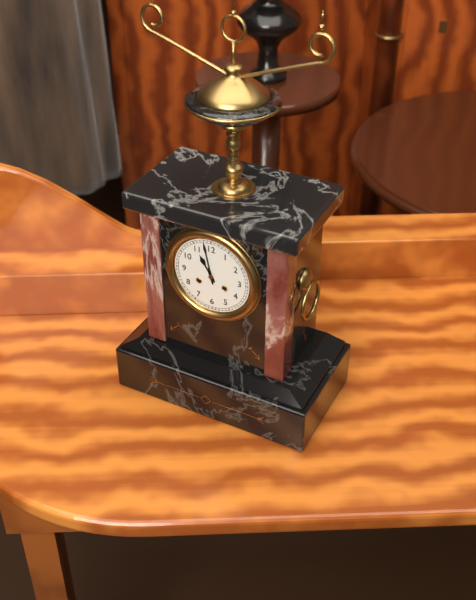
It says 10:58
